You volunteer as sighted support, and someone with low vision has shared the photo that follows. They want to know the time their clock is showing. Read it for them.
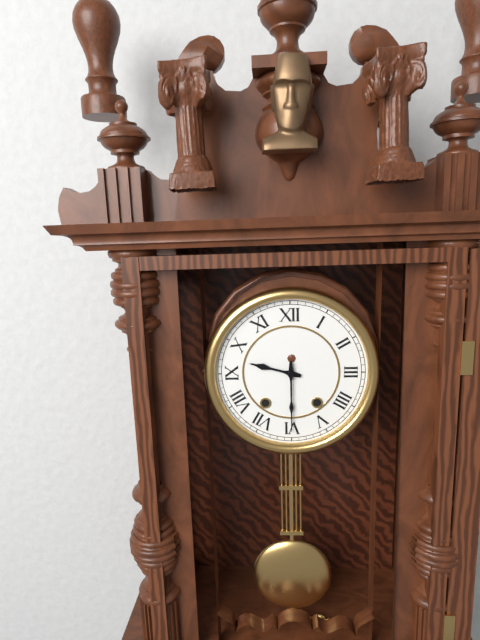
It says 9:30
